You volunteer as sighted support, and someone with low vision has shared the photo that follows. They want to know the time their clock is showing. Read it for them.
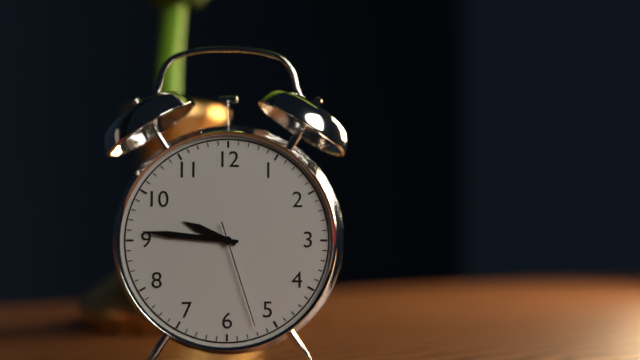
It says 9:46:27
